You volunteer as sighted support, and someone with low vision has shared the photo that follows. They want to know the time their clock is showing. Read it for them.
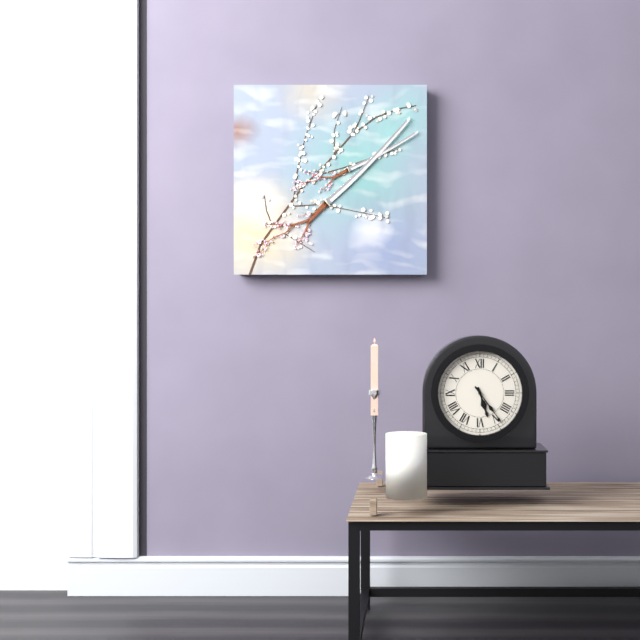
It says 5:24
